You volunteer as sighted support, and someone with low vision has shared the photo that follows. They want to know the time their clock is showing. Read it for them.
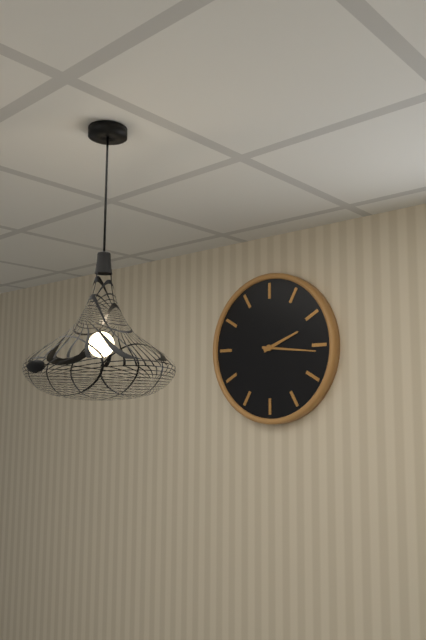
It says 2:16
